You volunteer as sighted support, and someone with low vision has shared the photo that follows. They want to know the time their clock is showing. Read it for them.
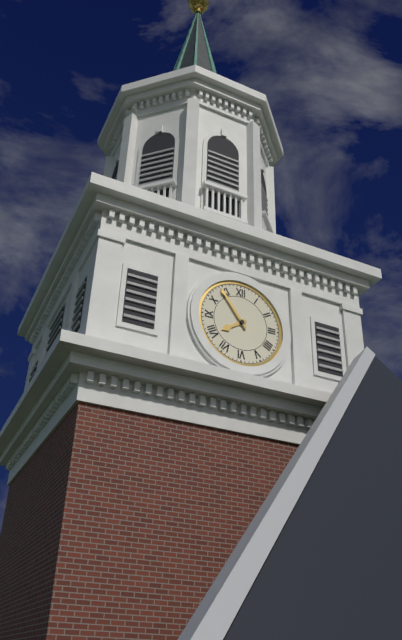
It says 7:54
